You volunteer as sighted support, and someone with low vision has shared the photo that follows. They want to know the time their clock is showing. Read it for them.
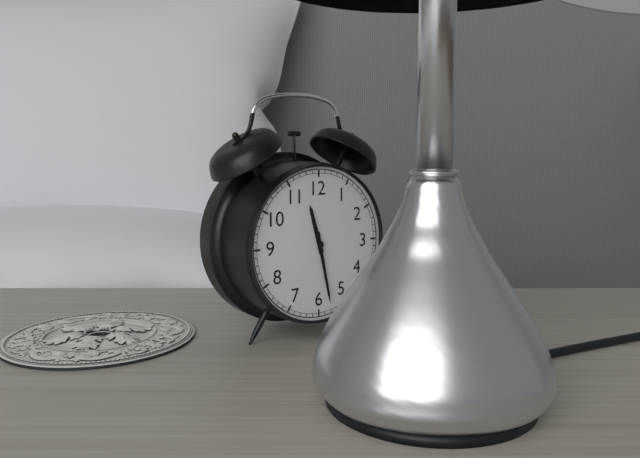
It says 11:28
